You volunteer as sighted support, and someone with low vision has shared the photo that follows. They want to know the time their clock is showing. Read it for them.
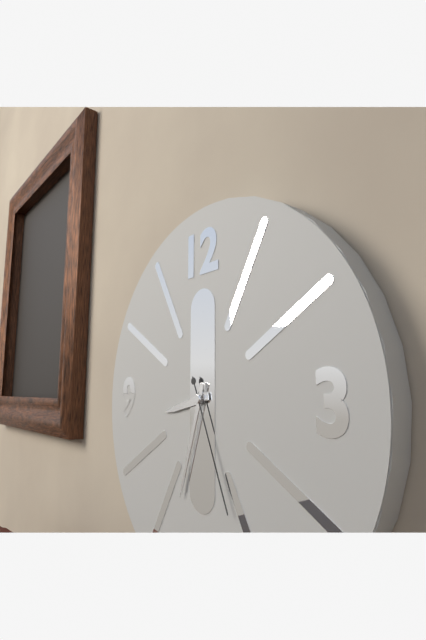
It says 8:33:26
